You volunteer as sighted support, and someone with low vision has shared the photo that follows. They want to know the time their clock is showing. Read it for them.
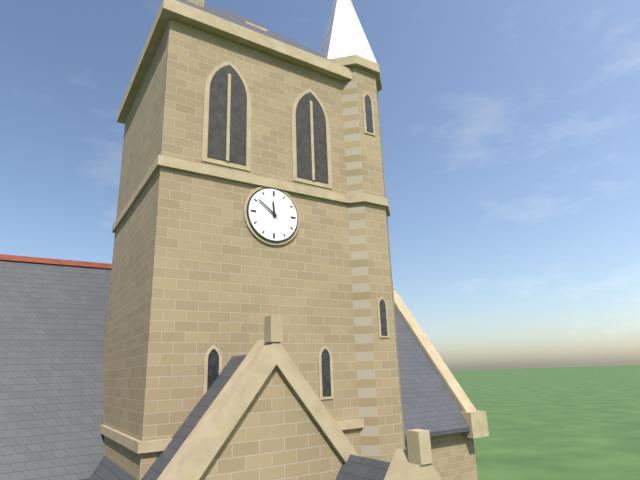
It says 11:51
